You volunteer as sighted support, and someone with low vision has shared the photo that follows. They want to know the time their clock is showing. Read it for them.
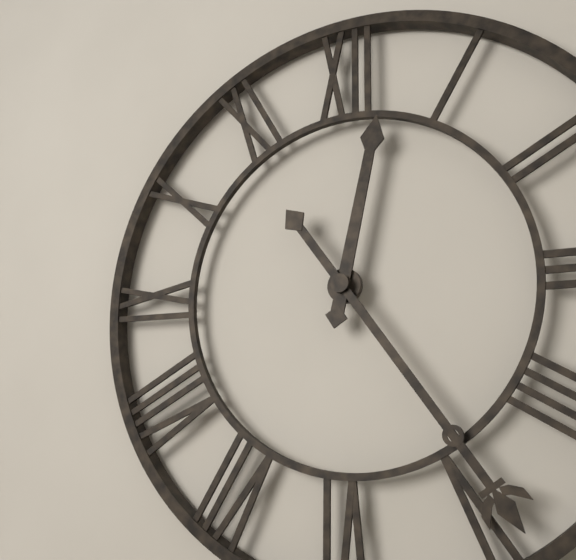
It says 12:24
